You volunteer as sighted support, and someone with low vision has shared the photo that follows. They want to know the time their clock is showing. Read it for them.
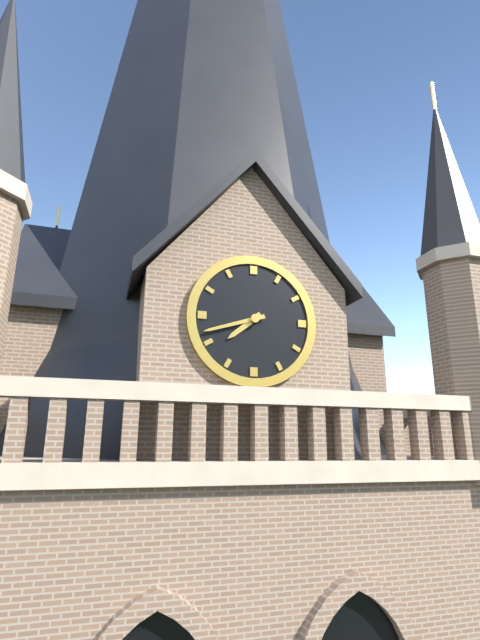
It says 7:42
